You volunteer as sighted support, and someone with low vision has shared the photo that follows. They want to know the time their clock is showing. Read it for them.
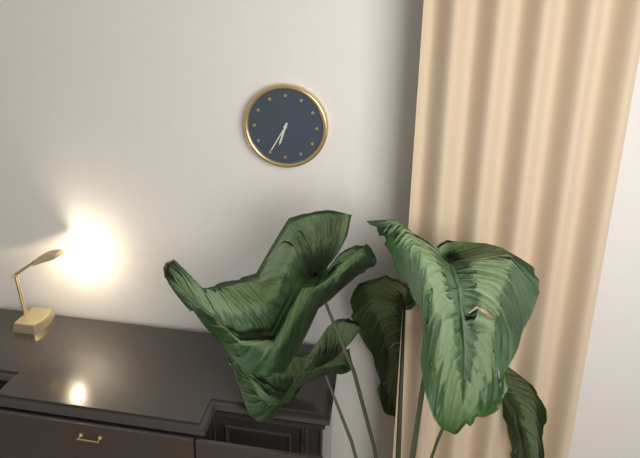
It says 6:35
